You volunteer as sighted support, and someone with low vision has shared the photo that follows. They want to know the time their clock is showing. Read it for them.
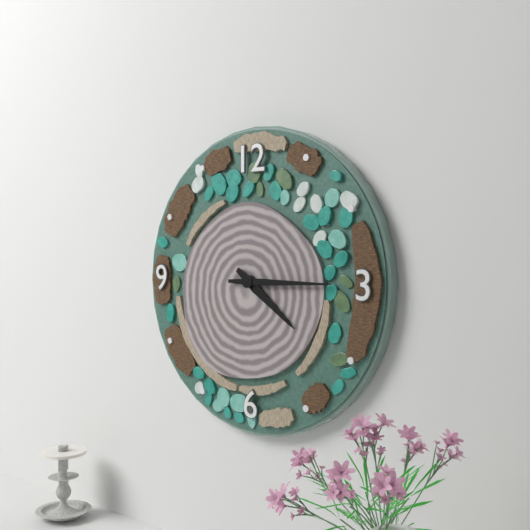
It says 4:15
